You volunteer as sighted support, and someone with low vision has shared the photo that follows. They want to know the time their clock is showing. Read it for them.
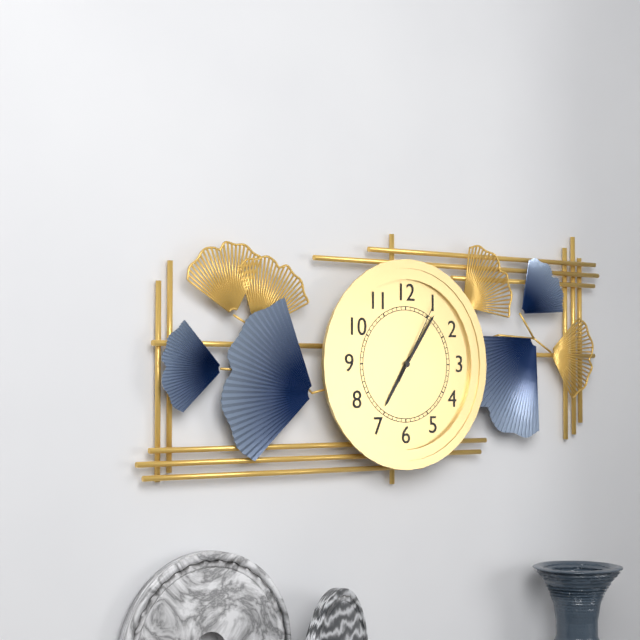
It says 7:06:05
